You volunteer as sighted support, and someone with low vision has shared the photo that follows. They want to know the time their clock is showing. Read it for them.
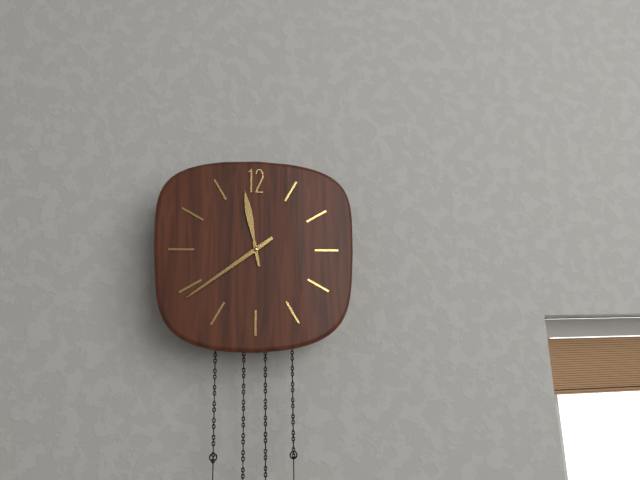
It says 11:39
